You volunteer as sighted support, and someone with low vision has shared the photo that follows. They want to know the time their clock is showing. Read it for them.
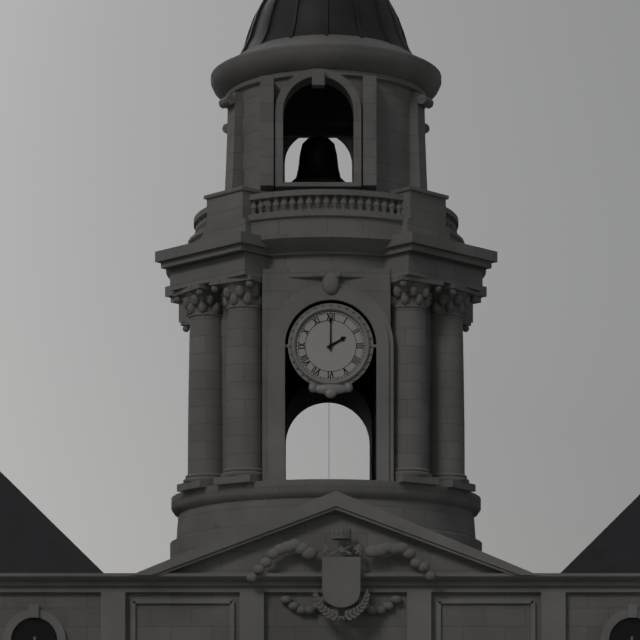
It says 2:00
